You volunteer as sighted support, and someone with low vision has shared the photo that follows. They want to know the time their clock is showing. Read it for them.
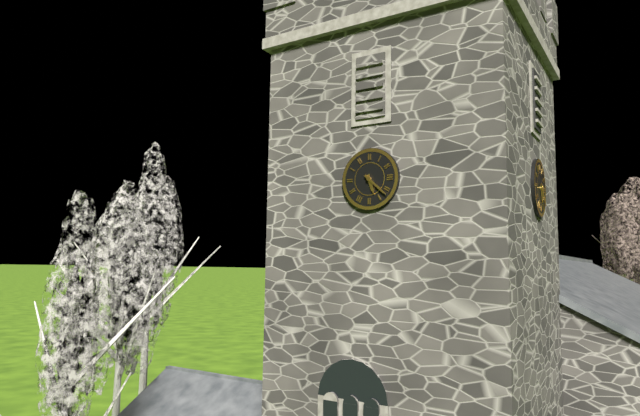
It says 5:22
